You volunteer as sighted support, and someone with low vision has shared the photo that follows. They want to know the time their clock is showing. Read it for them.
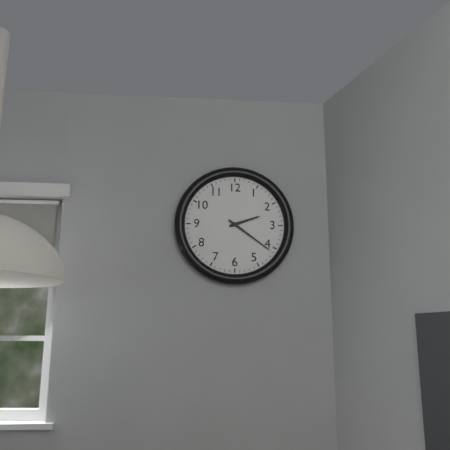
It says 2:21
